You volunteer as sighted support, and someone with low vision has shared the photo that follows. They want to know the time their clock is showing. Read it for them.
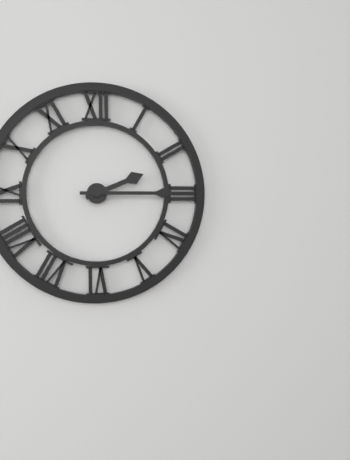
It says 2:15
